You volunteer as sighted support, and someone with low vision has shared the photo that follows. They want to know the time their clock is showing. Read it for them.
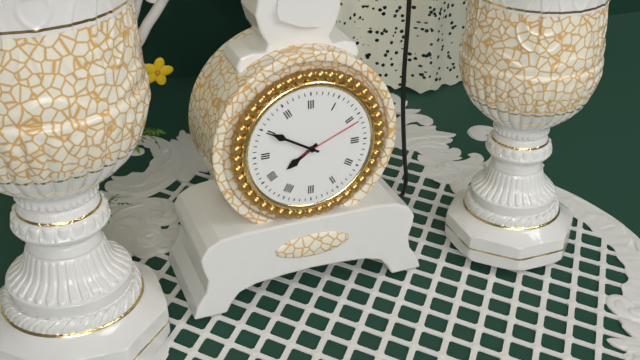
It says 7:50:11
